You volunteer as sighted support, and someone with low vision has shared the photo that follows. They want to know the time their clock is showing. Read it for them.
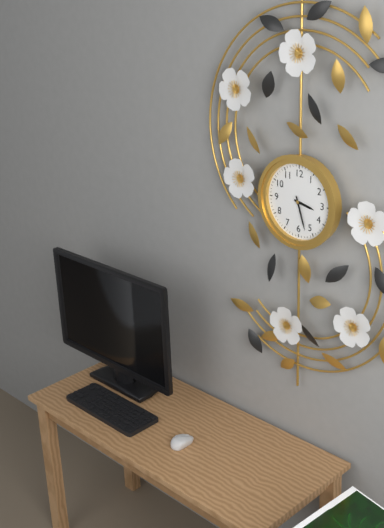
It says 3:27
